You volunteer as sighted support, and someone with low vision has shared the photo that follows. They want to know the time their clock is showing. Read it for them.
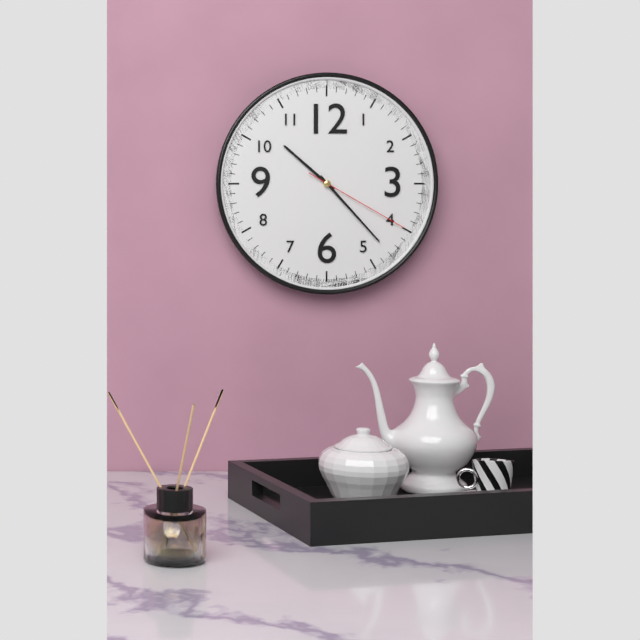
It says 10:23:20
